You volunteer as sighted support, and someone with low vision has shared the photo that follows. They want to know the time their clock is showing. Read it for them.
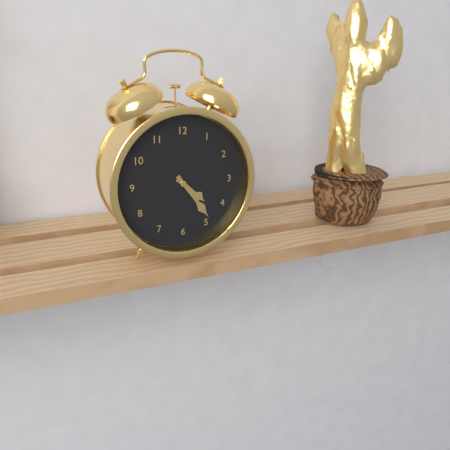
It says 4:24
